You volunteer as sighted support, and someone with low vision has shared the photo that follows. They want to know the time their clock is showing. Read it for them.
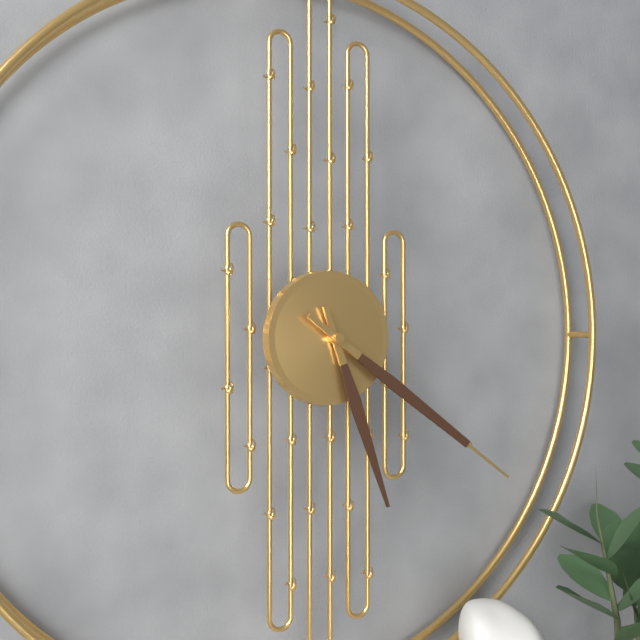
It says 5:21
